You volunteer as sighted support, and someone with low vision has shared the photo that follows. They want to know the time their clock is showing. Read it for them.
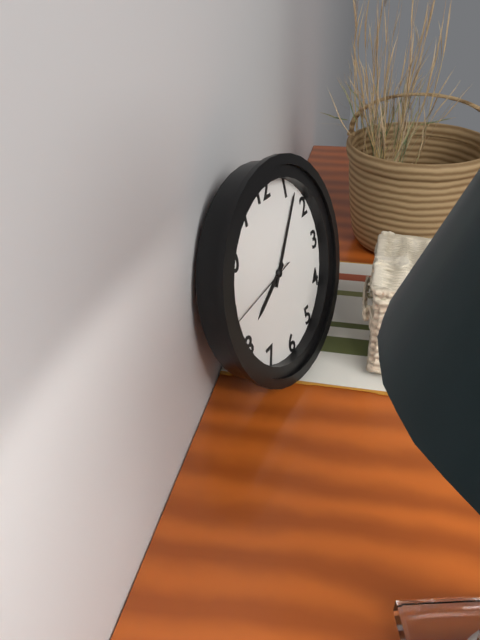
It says 8:07:44
